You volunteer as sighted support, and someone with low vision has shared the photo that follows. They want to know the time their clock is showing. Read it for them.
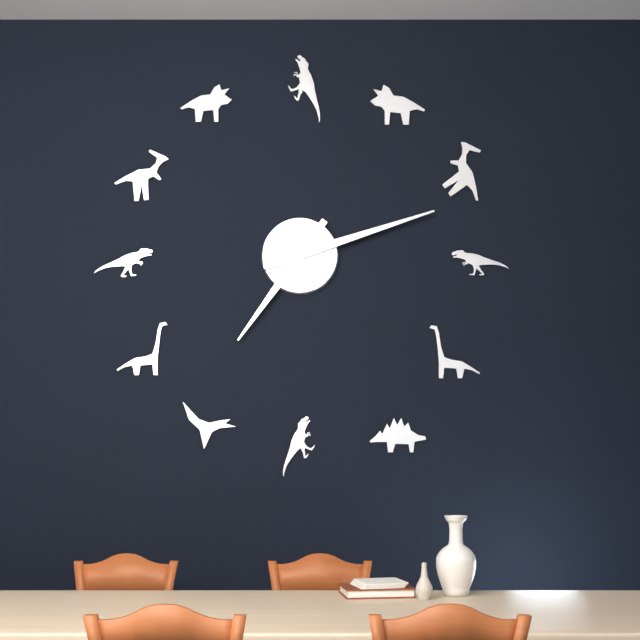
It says 7:12
